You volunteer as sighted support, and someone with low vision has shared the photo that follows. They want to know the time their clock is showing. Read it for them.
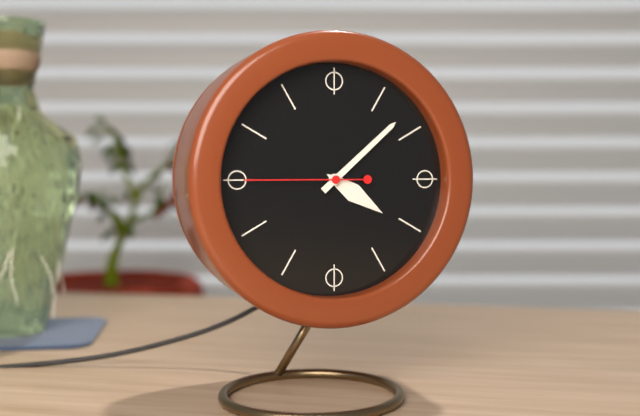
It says 4:08:45
